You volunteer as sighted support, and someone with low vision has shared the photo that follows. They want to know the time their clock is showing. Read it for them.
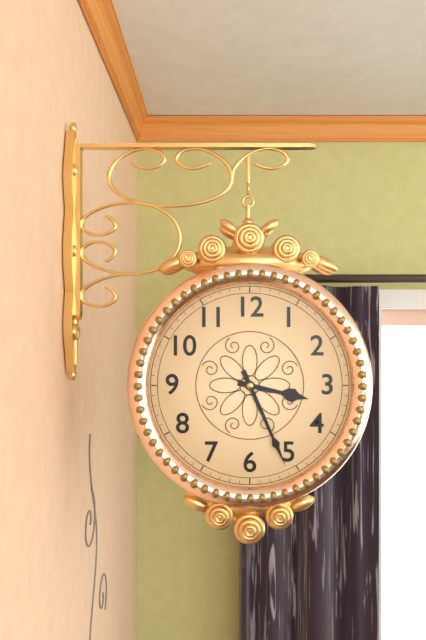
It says 3:26
